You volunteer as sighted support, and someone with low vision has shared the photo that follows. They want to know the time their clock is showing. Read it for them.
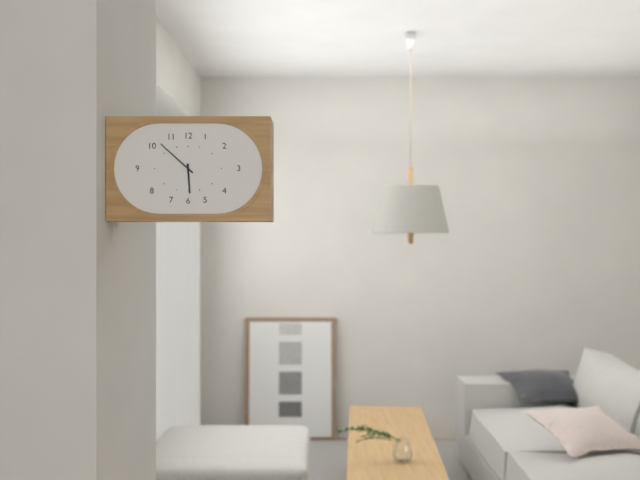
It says 5:52
